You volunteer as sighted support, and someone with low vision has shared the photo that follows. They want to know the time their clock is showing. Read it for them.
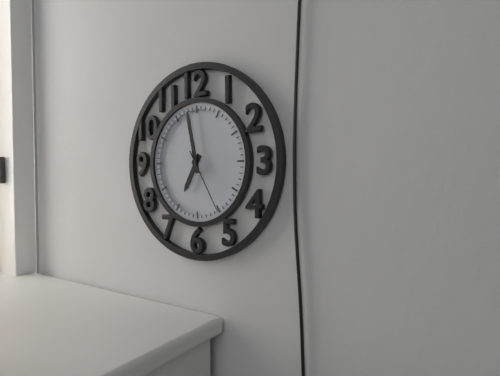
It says 6:58:25
